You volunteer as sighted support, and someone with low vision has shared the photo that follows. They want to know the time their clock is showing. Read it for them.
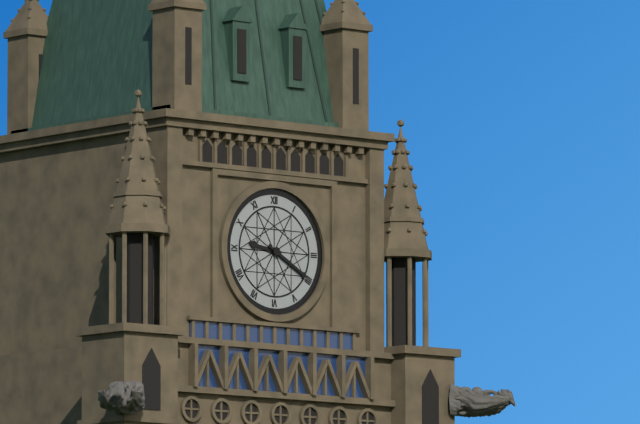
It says 9:20
